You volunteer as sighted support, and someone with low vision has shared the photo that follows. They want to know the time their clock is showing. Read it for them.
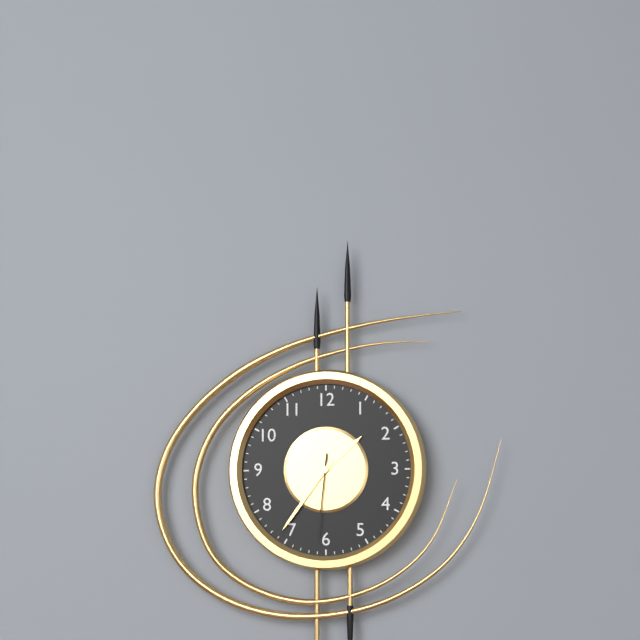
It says 1:36:31
